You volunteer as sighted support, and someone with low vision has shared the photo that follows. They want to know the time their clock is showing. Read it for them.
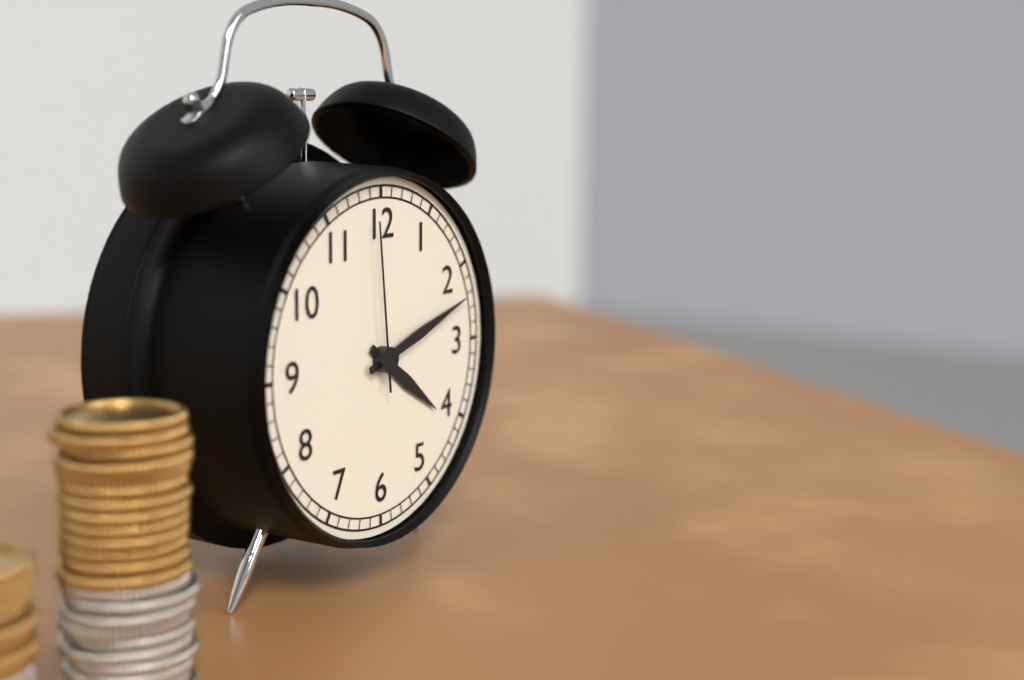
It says 4:12:59
